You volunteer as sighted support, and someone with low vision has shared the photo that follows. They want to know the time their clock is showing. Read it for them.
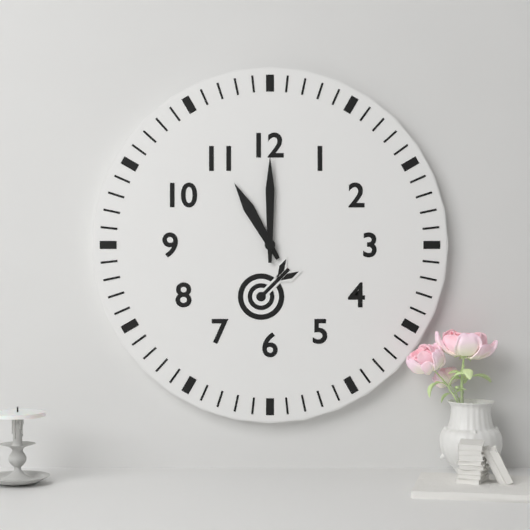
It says 11:00
